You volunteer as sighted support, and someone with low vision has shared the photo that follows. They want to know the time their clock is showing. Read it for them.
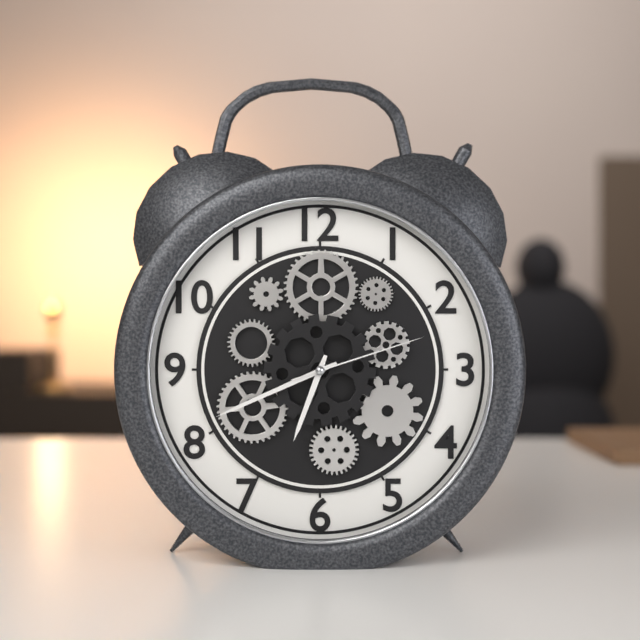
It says 6:41:12
